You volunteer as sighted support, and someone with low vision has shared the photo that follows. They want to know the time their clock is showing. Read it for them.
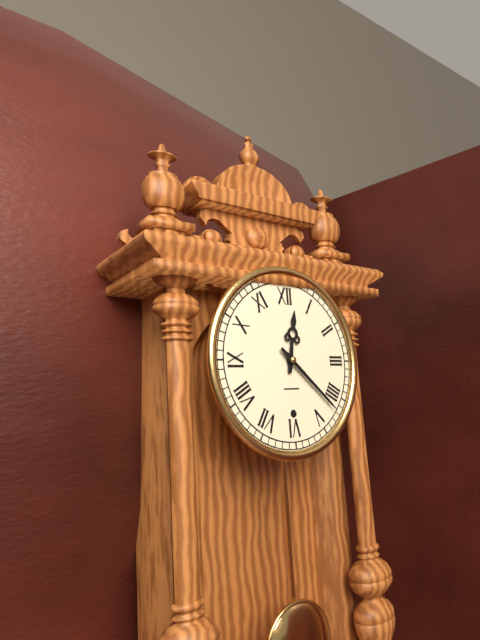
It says 12:22
